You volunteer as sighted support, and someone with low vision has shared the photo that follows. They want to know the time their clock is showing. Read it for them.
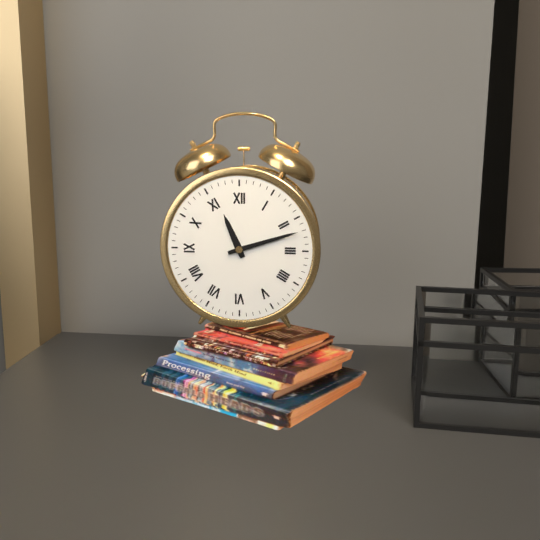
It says 11:12
